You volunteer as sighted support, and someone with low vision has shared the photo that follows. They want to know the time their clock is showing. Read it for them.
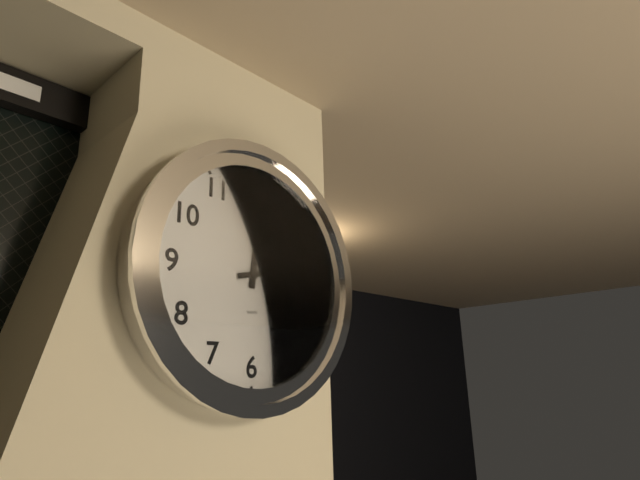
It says 12:13
